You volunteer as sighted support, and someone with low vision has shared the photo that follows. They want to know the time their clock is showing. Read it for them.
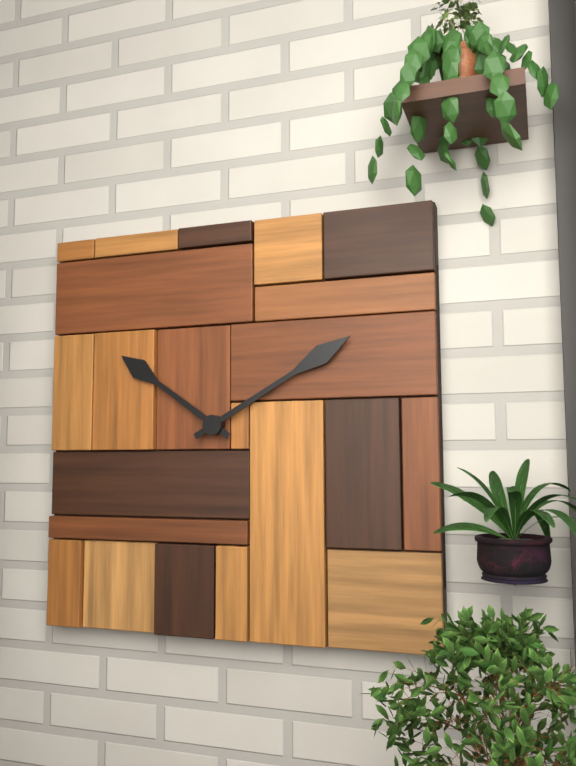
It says 10:10
